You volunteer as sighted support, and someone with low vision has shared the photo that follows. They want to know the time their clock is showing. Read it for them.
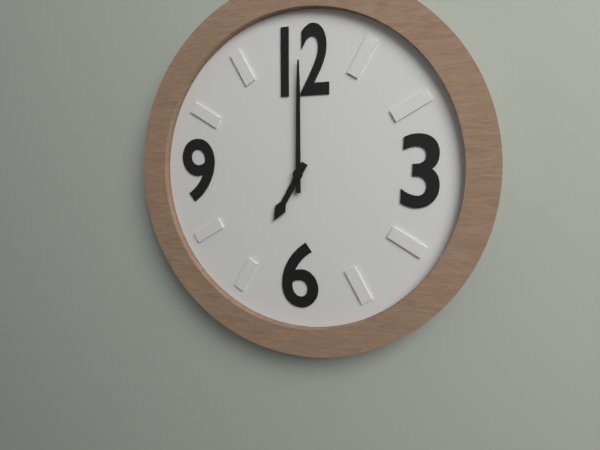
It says 7:00
